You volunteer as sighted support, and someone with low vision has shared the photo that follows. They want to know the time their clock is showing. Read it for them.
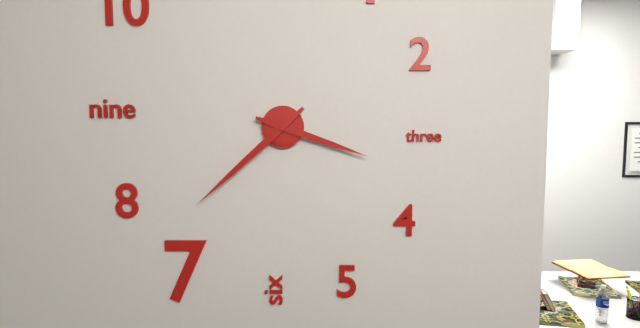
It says 3:38
